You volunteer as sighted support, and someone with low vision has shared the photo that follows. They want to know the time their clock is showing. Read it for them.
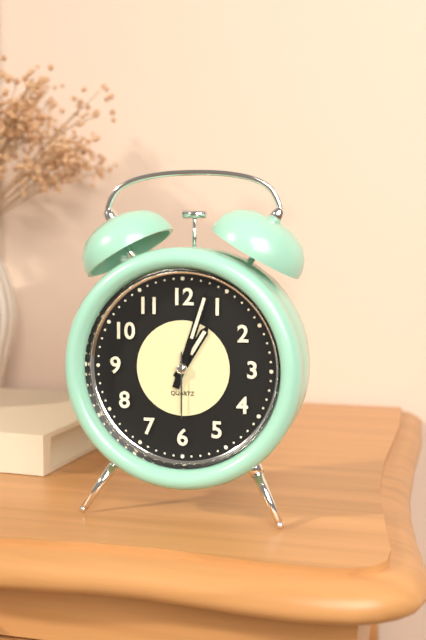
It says 1:03:30
